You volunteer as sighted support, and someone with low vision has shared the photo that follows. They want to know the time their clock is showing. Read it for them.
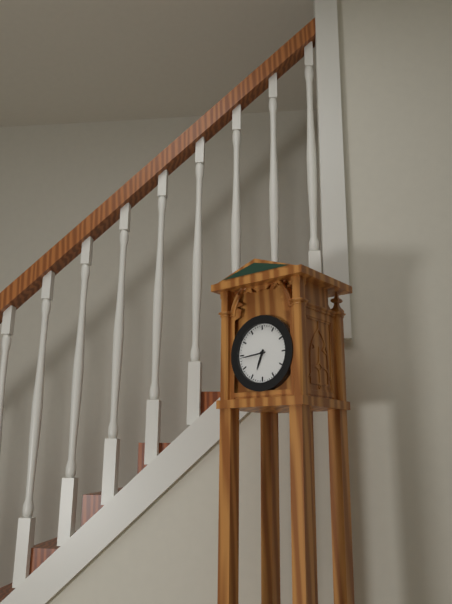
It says 6:44
